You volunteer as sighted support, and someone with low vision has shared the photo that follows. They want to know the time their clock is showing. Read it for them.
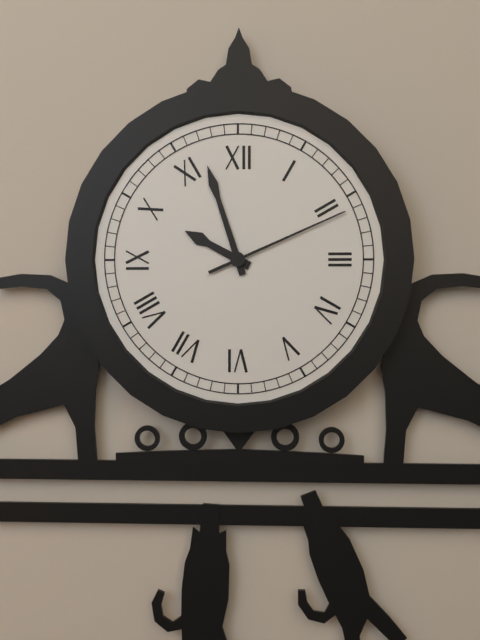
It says 9:57:11
